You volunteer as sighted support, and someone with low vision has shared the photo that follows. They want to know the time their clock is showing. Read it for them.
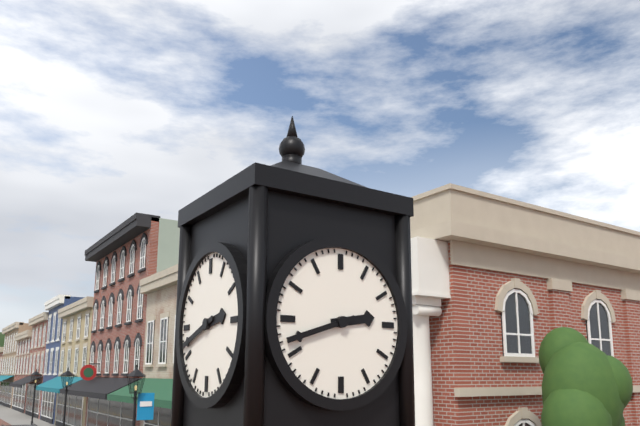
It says 2:42
